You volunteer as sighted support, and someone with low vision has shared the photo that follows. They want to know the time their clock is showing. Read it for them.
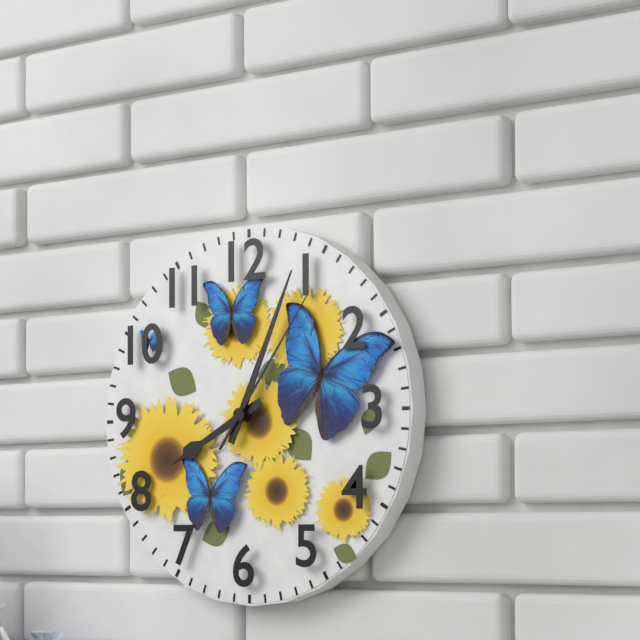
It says 8:04:06
